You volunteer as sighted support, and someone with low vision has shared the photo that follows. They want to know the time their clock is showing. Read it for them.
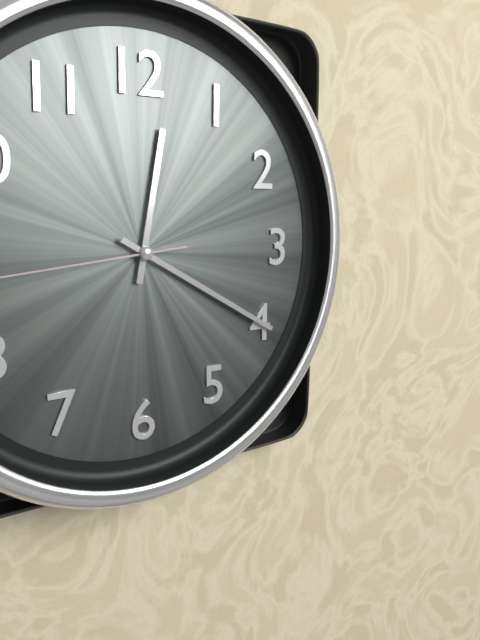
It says 12:20
